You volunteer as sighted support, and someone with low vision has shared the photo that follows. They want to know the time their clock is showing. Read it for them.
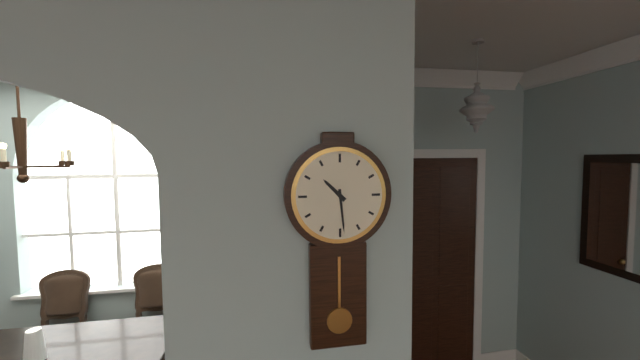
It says 10:29
